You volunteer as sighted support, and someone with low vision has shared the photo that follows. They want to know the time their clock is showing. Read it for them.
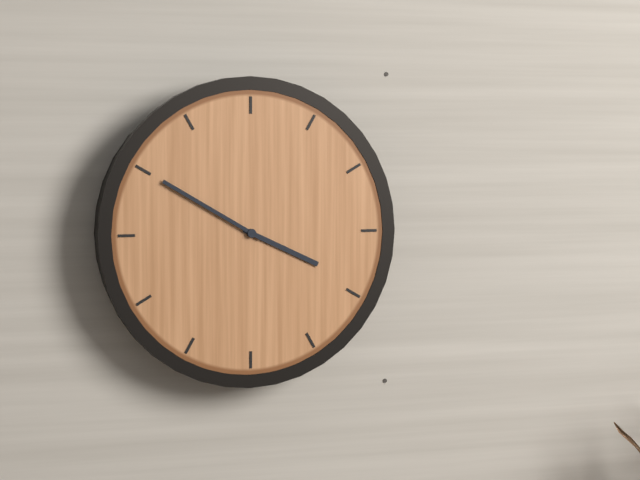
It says 3:50
